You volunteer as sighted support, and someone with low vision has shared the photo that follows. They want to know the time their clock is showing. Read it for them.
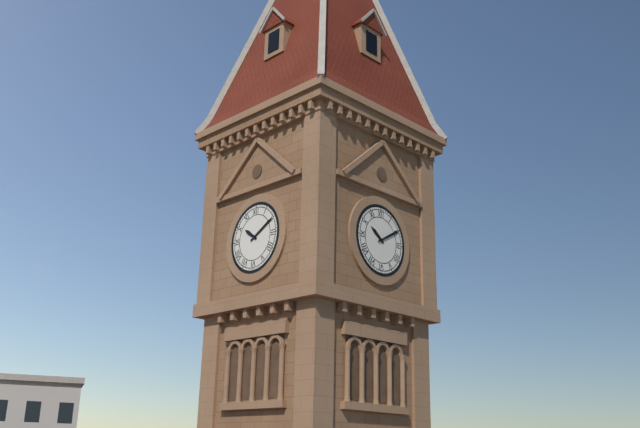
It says 10:10
